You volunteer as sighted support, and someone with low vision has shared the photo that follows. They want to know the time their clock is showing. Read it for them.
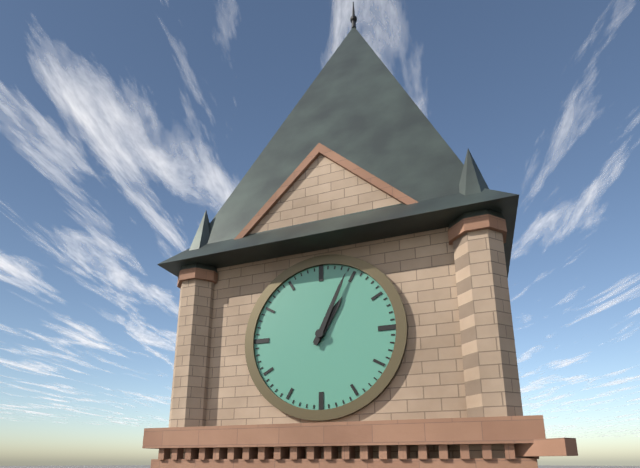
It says 1:04
